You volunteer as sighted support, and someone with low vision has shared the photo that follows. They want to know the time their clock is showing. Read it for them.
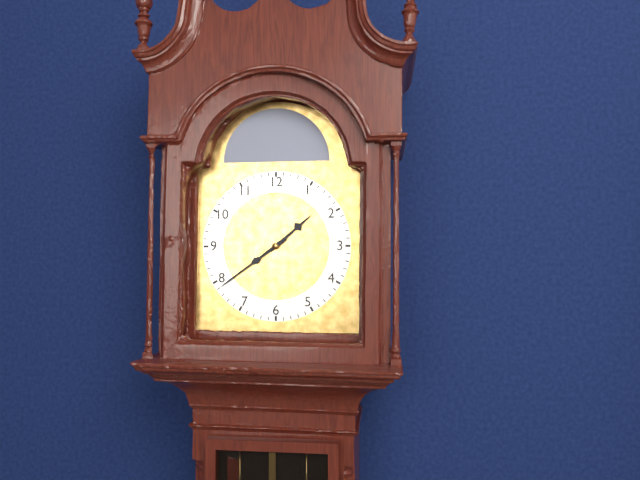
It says 1:39
